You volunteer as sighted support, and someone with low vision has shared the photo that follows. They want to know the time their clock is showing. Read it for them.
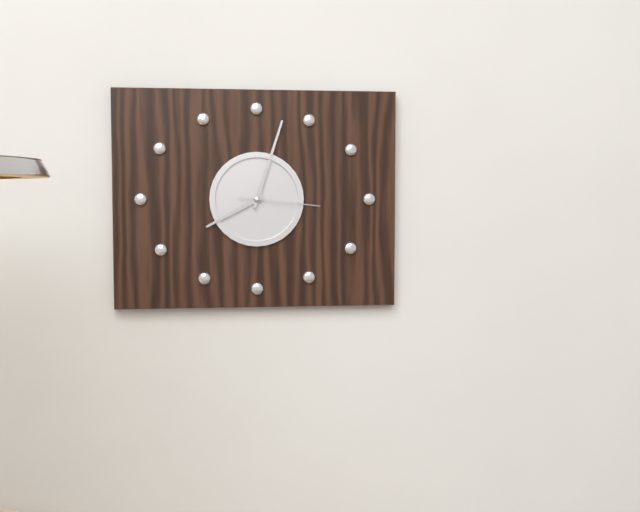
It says 8:03:16
